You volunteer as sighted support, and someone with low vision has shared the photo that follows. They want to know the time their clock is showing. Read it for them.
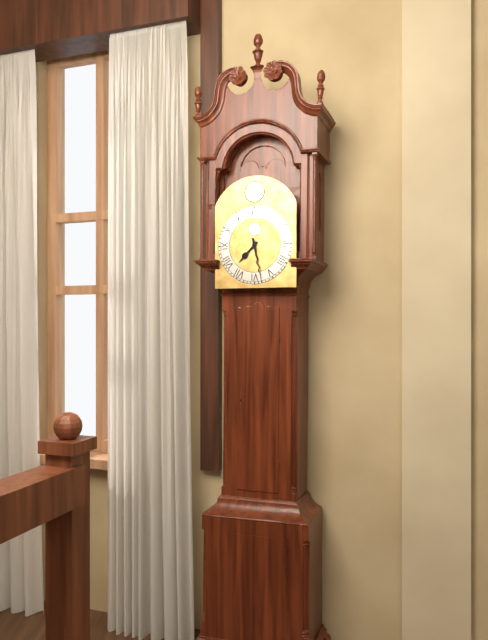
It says 7:28
